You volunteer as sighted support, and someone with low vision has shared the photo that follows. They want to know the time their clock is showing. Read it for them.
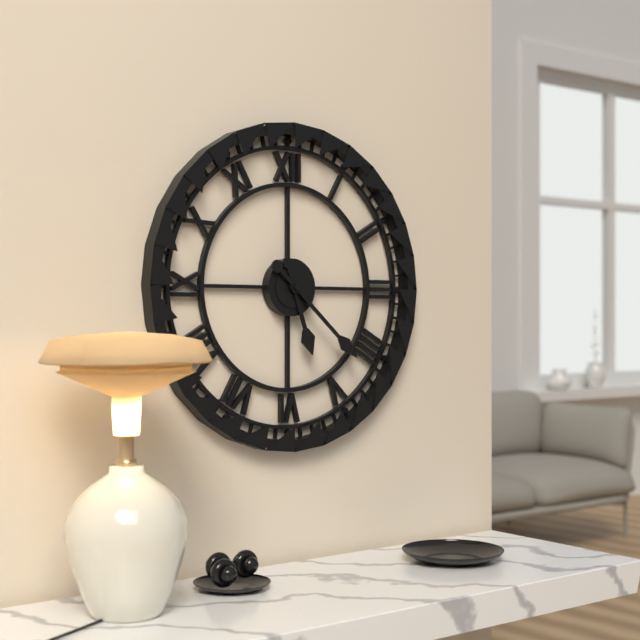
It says 5:22
